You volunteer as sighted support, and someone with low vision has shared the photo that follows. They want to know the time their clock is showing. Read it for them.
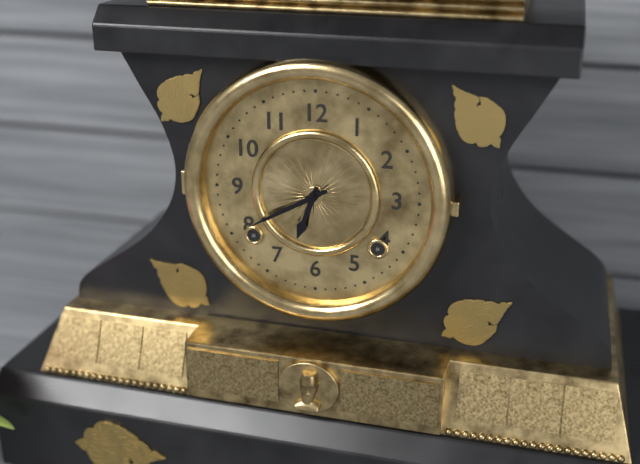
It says 6:40
